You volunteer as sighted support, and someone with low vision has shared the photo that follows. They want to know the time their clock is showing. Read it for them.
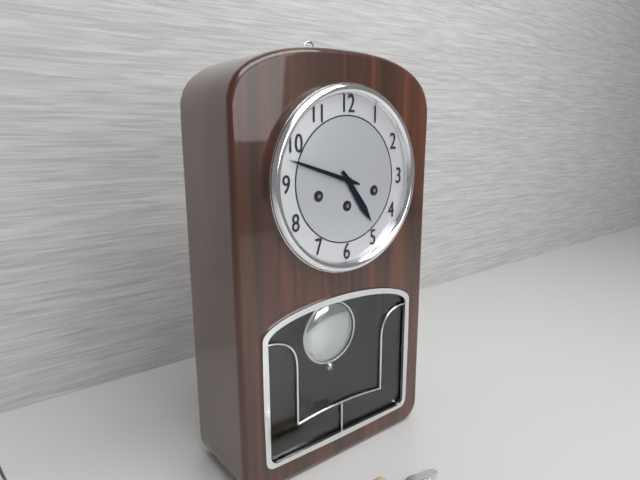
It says 4:48
